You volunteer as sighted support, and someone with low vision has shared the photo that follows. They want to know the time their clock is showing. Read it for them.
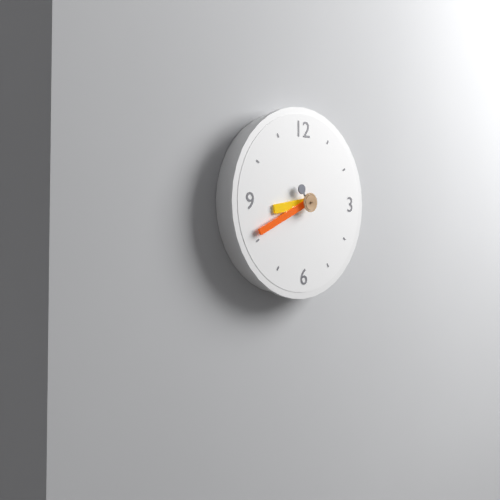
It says 8:41
